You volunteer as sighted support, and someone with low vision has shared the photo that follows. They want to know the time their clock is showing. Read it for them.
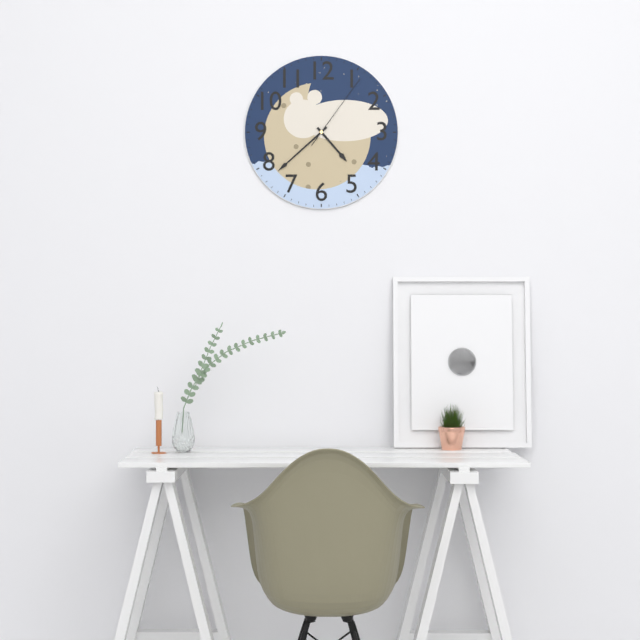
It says 4:38:06
